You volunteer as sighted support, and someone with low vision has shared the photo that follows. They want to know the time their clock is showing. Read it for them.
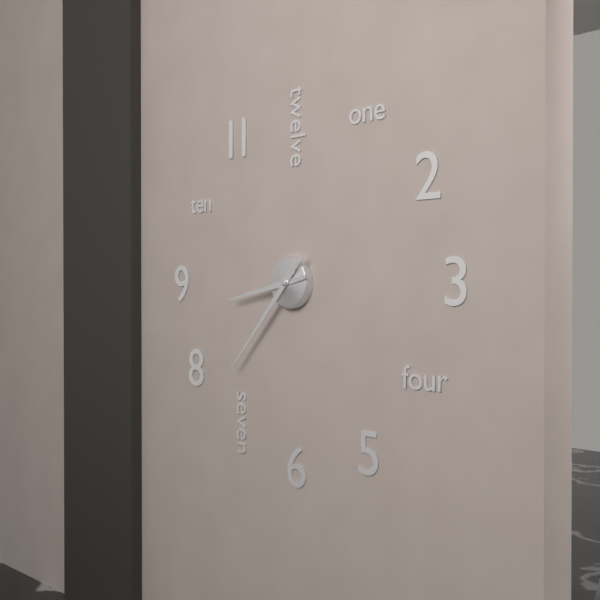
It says 8:37
